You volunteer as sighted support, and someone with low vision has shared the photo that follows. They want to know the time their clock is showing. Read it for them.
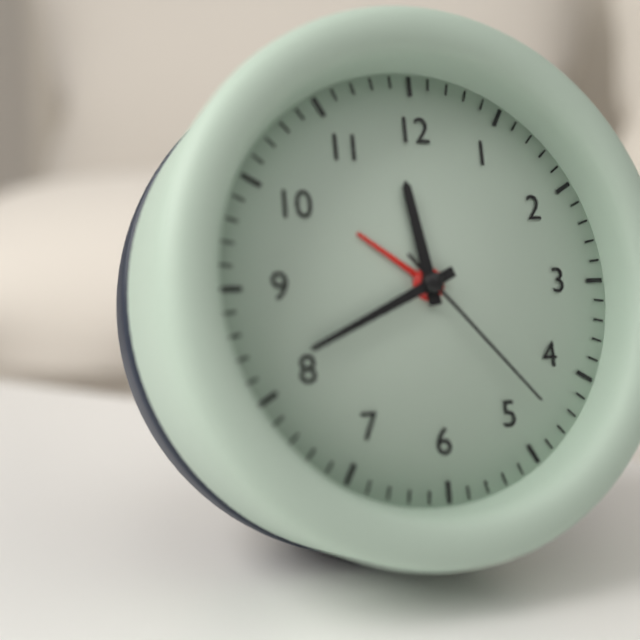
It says 11:41:23
